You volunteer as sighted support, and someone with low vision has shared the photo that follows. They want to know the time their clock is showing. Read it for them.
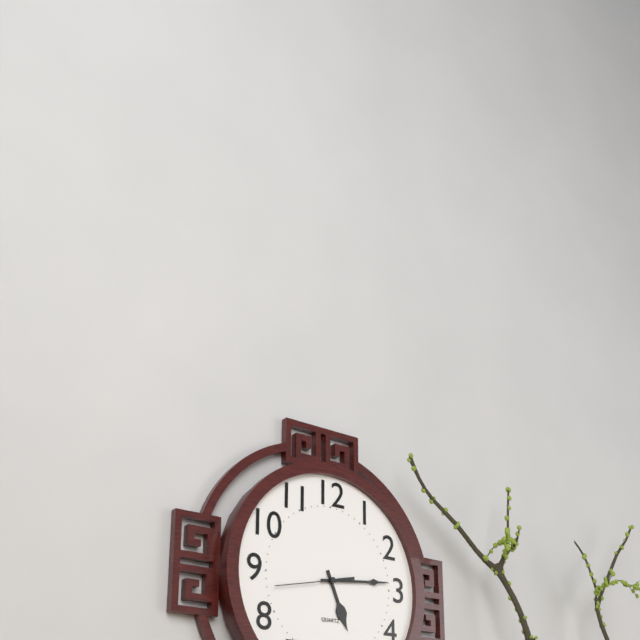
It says 5:14:43
